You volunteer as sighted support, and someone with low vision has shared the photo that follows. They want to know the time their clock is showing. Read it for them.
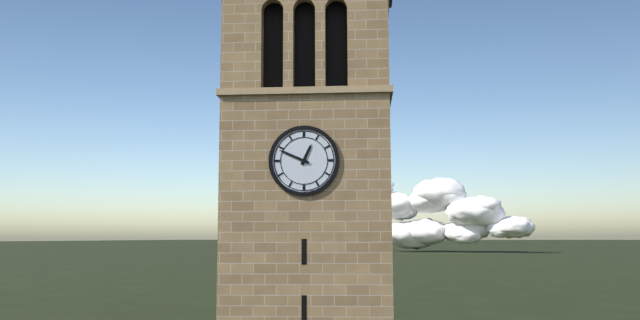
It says 12:49
